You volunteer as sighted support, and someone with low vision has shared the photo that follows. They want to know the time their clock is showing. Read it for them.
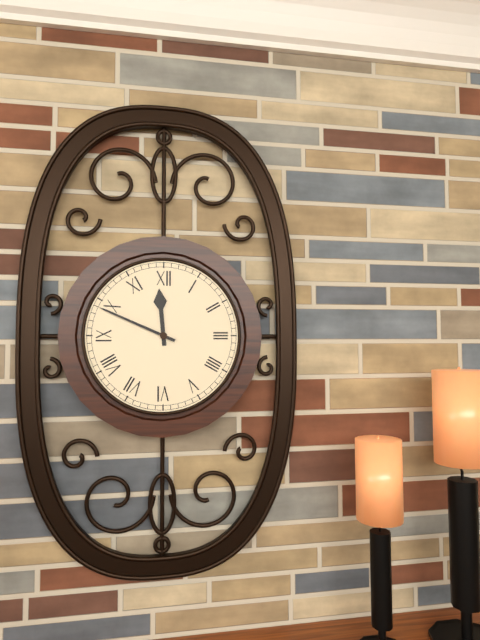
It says 11:49
